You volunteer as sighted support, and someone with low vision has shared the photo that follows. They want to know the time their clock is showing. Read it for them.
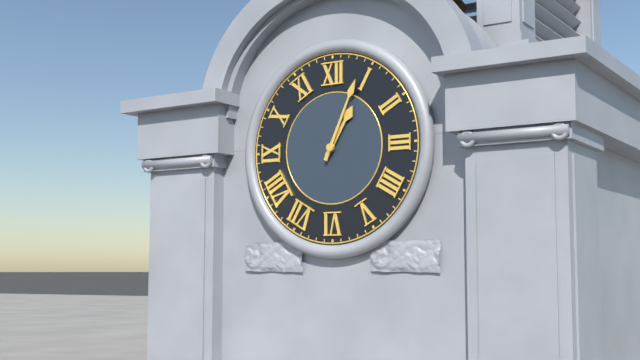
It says 1:04
